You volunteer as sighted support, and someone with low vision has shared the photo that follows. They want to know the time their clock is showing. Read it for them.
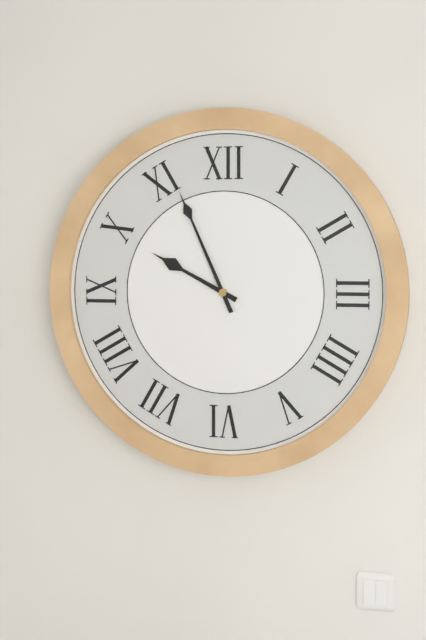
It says 9:56
